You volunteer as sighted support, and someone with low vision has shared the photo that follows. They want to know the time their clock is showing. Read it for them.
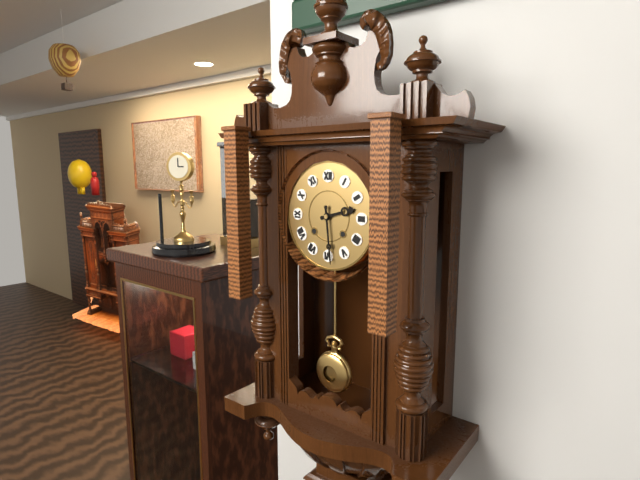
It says 2:29
